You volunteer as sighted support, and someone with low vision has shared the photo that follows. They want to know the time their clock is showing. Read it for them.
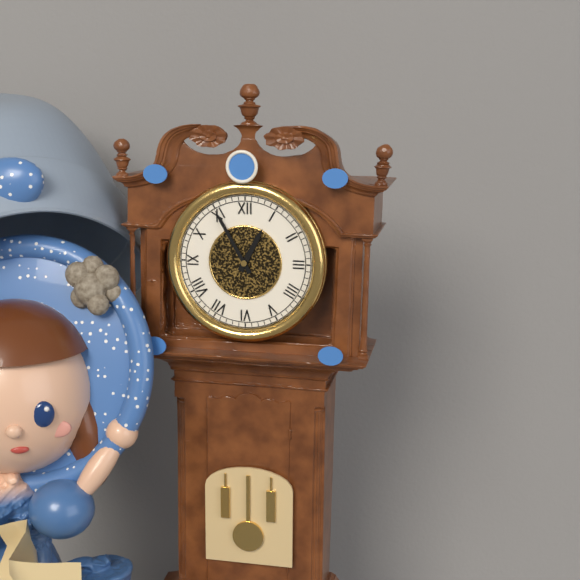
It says 12:55
